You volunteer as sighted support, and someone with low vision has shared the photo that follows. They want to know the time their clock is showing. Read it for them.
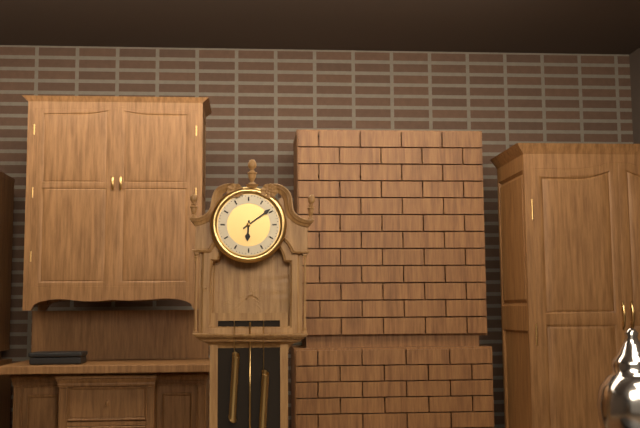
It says 6:09
